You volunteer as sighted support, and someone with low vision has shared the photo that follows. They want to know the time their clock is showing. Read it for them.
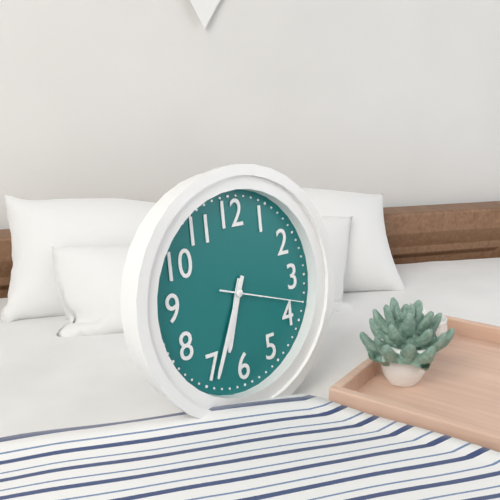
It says 6:34:18
